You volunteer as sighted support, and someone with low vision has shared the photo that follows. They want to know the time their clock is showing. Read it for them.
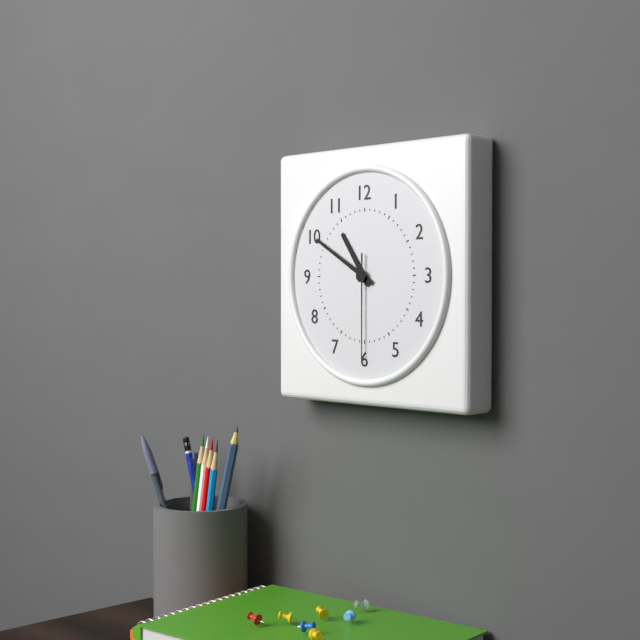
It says 10:50:30
